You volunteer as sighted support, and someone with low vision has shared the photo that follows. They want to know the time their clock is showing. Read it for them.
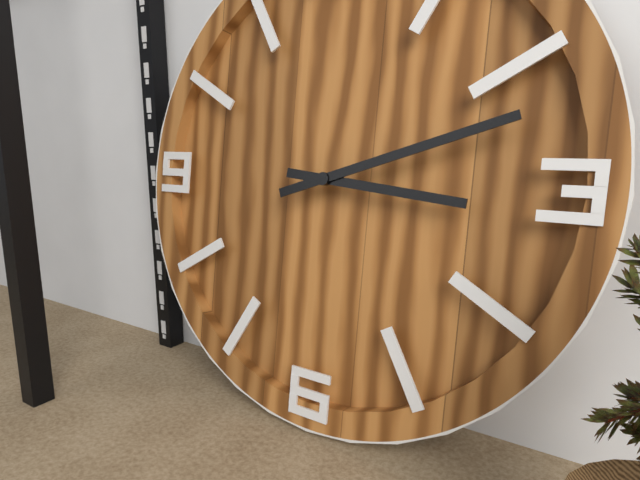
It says 3:12
